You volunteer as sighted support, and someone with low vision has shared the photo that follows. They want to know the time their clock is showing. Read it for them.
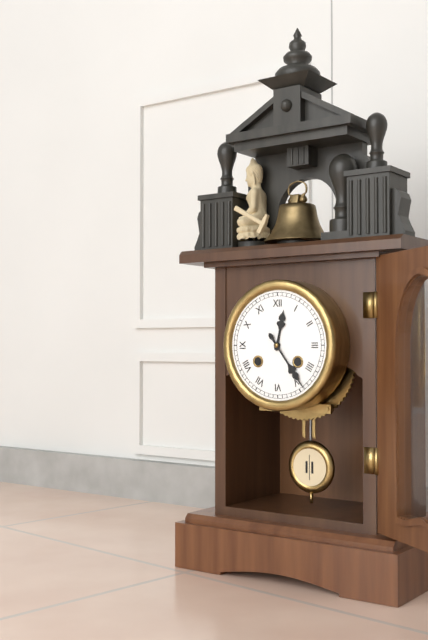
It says 12:24
